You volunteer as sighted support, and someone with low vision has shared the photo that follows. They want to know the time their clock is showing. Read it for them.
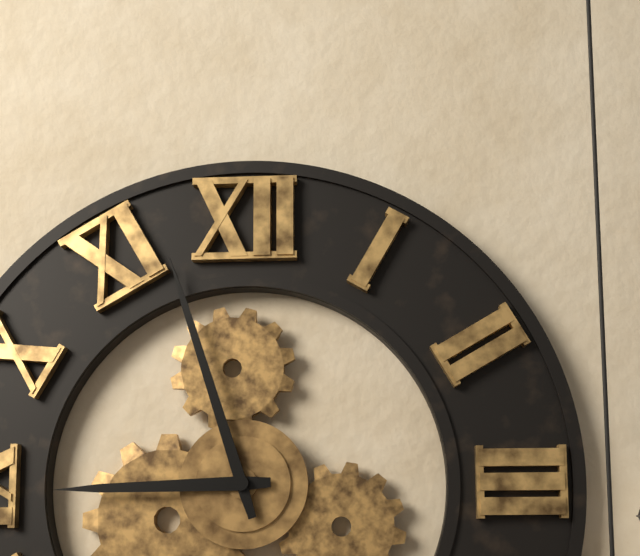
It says 8:57
